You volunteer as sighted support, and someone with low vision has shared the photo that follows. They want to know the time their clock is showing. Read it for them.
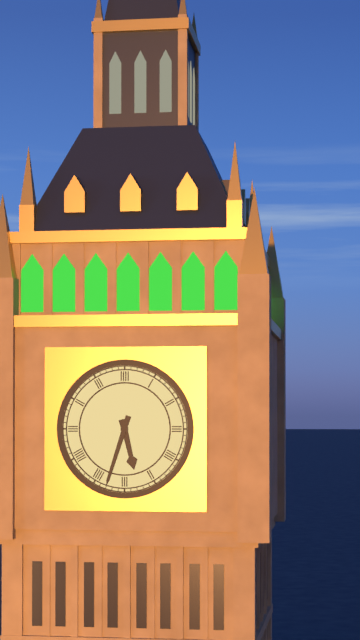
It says 5:33
